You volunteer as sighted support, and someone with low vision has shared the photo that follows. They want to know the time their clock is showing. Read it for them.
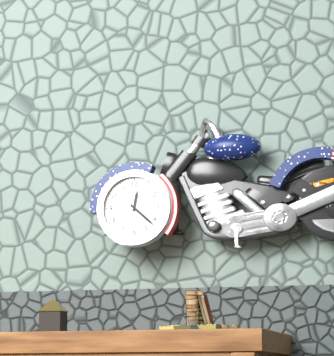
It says 12:22
